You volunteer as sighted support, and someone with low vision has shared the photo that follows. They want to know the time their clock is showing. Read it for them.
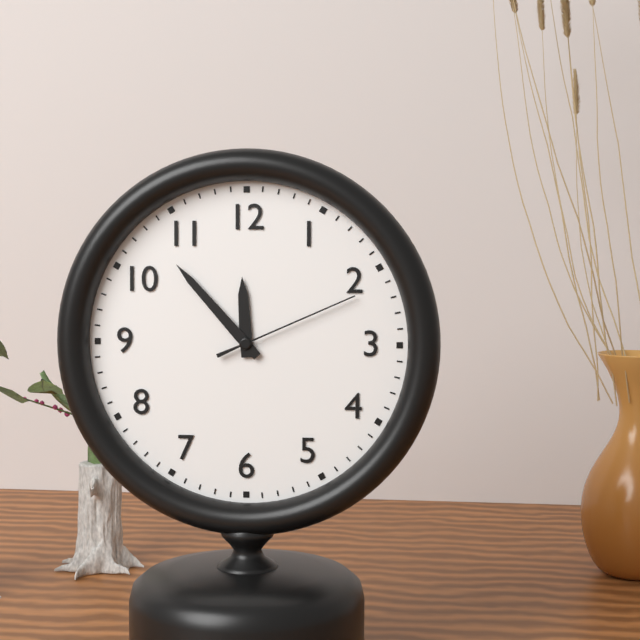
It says 11:53:11
